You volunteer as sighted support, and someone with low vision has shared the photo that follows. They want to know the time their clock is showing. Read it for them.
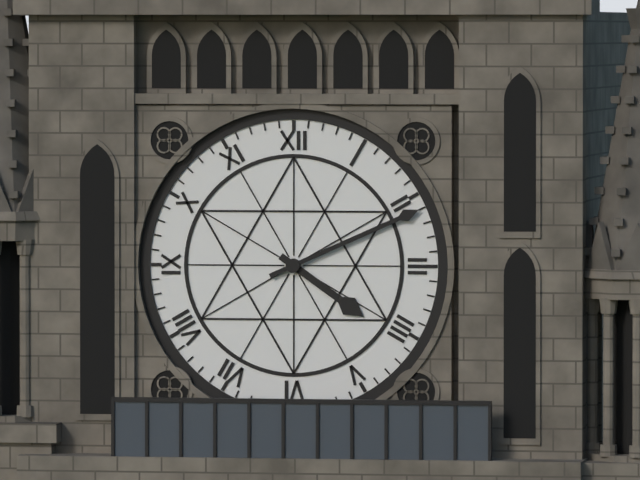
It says 4:11
